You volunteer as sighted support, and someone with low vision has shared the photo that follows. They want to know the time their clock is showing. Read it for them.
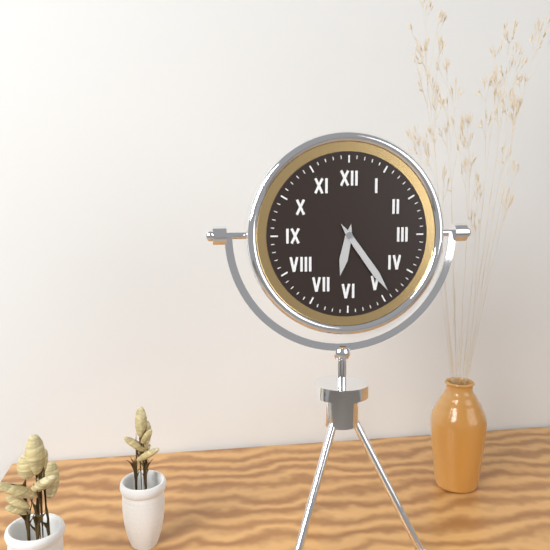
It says 6:24
